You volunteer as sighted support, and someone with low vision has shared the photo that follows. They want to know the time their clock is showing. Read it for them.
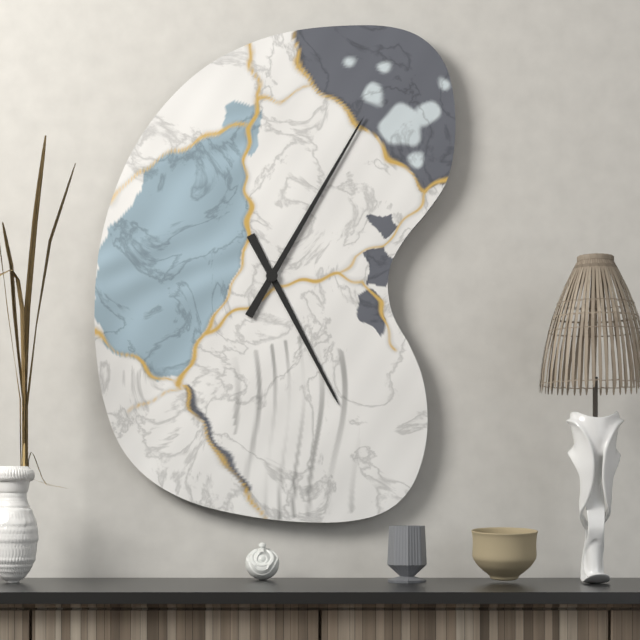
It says 5:05
